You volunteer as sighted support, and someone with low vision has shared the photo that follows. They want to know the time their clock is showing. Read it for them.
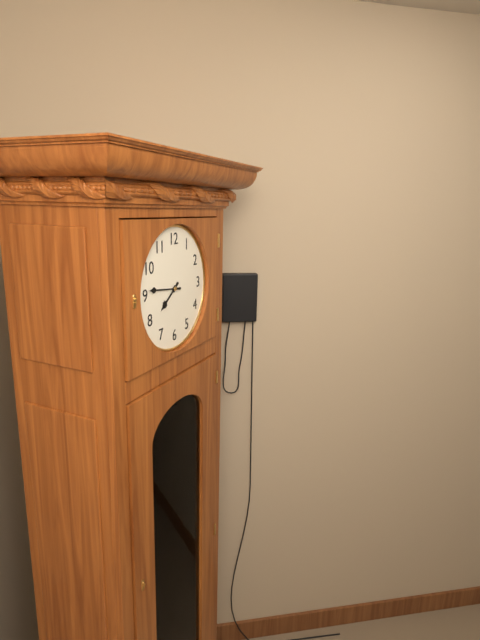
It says 7:46
